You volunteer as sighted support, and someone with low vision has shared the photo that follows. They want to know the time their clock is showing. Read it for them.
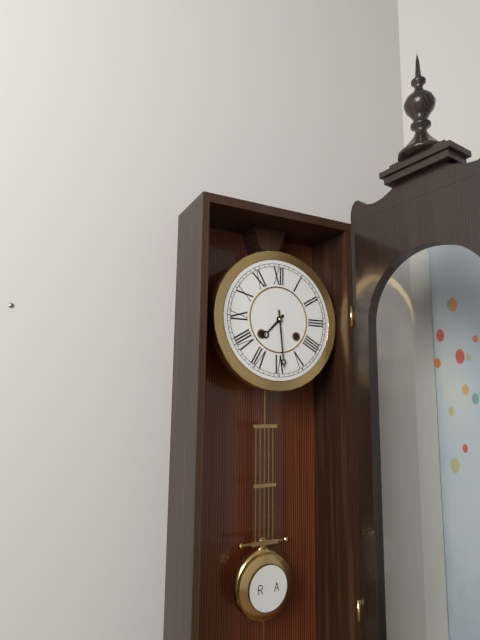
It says 7:29
